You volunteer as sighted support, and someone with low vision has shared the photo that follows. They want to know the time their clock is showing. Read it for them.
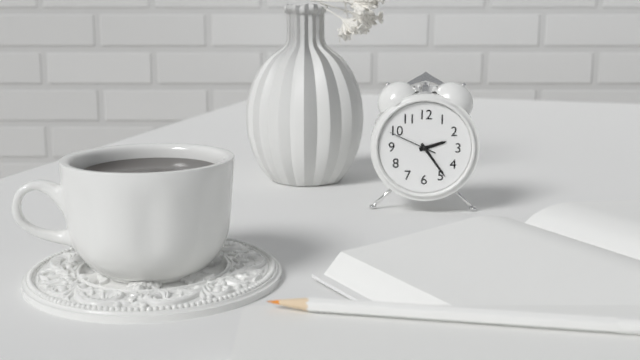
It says 2:24
